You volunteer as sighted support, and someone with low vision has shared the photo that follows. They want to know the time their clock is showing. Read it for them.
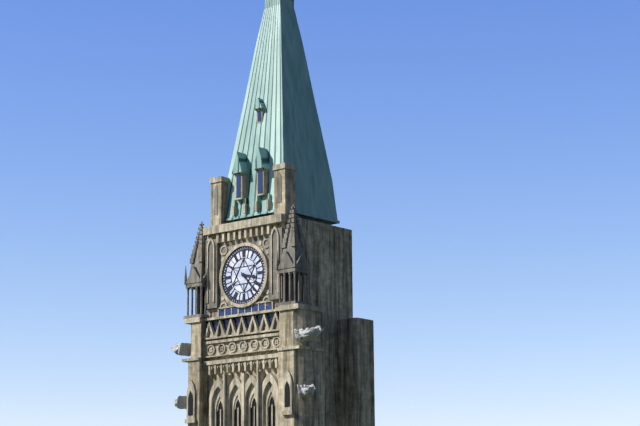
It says 3:23
